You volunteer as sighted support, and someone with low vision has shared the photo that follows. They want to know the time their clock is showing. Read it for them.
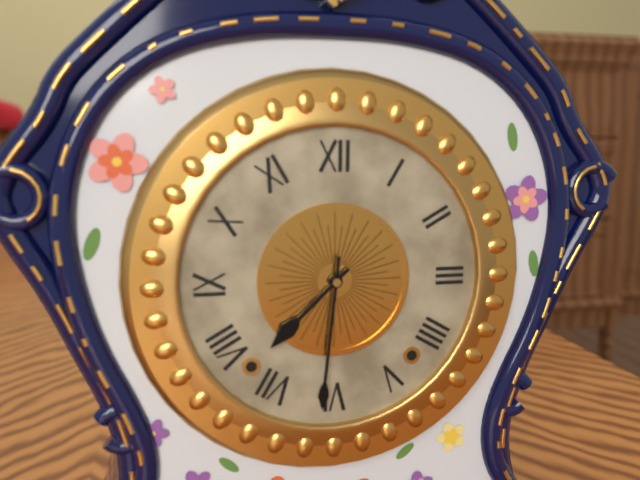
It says 7:31
